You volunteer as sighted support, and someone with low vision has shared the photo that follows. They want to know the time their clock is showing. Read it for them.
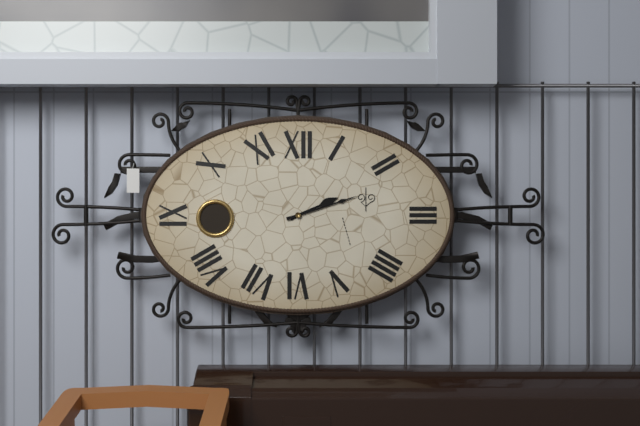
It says 2:12
